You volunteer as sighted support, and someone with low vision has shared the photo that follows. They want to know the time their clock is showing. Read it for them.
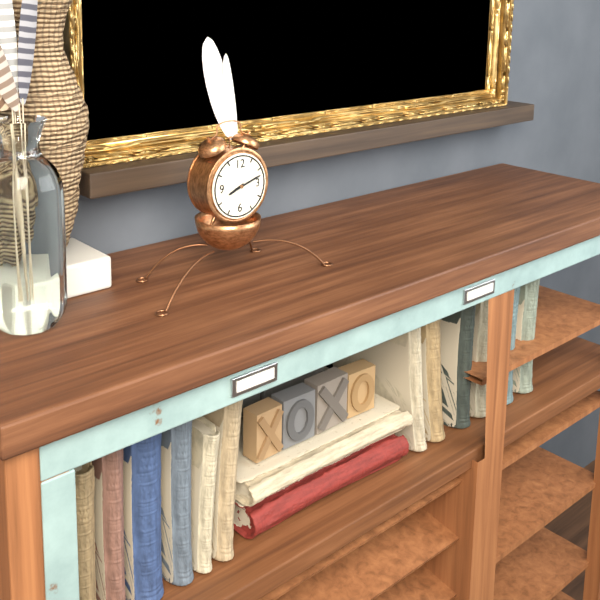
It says 8:12
